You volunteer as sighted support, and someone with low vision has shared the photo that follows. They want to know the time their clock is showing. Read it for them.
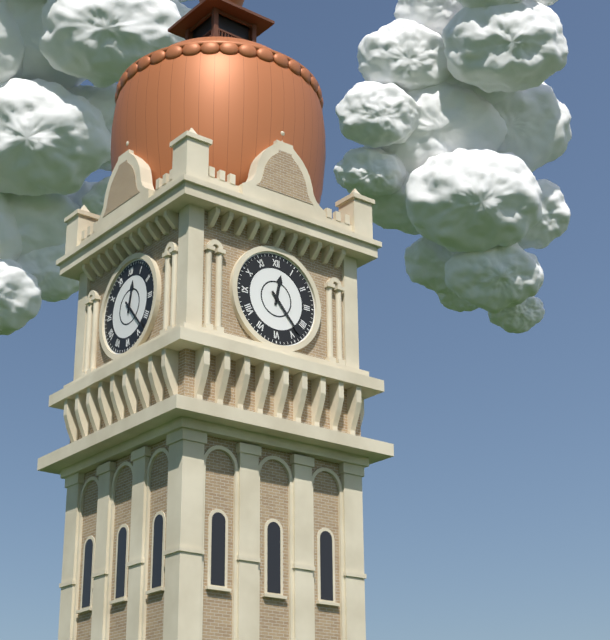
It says 12:23
